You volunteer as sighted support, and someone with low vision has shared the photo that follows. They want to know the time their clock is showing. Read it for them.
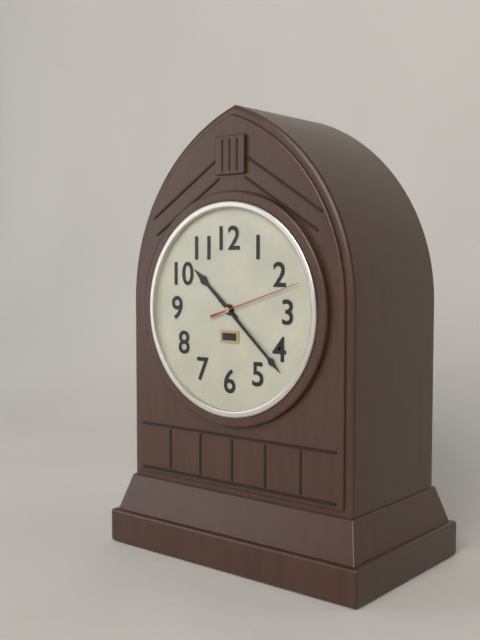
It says 10:22:12
